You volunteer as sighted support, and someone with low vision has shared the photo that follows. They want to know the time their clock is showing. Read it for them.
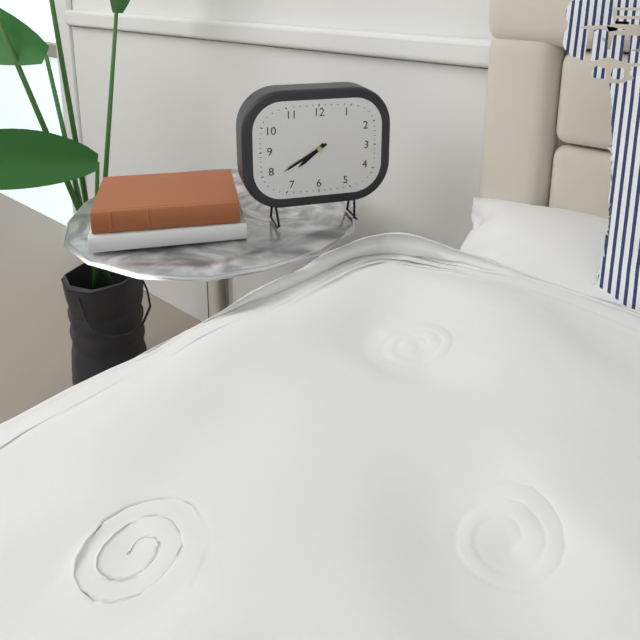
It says 7:40
